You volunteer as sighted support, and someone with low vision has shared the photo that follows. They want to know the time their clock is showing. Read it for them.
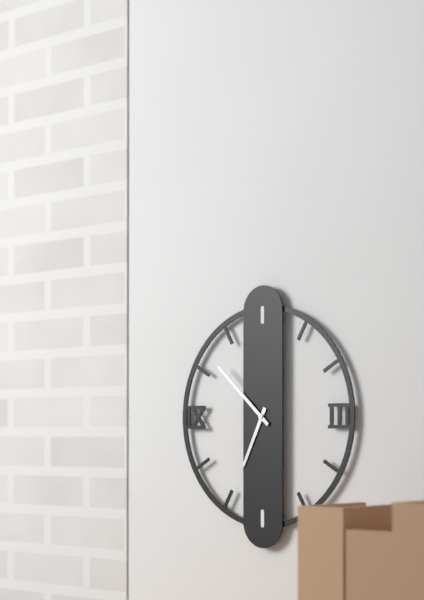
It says 6:52
